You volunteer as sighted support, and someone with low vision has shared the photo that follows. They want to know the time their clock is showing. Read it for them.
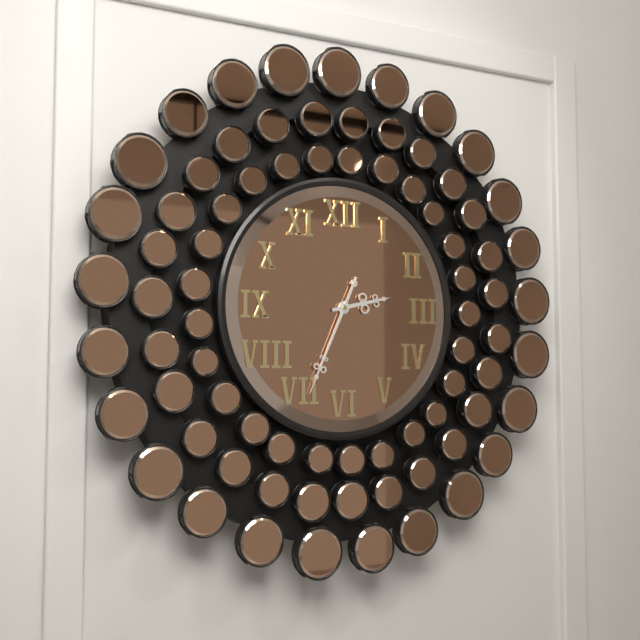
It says 2:34
